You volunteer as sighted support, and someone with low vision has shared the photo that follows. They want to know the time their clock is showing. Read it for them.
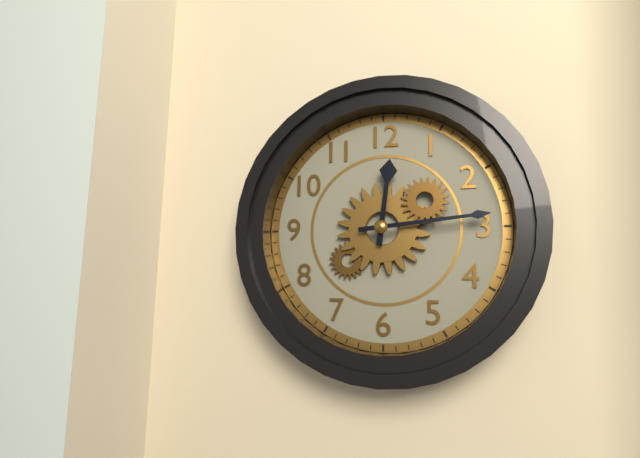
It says 12:14
